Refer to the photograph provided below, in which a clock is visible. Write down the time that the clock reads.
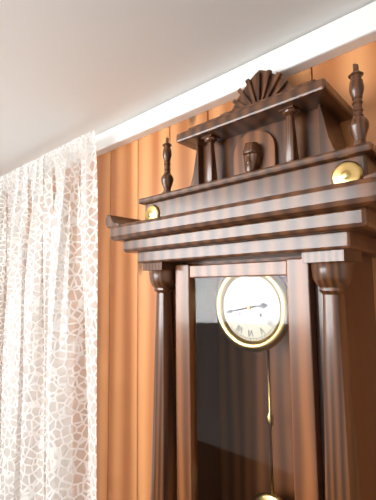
2:43
